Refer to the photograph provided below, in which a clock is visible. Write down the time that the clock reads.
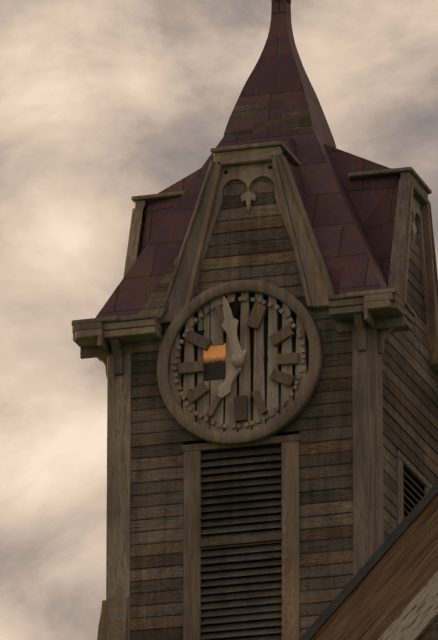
6:58
